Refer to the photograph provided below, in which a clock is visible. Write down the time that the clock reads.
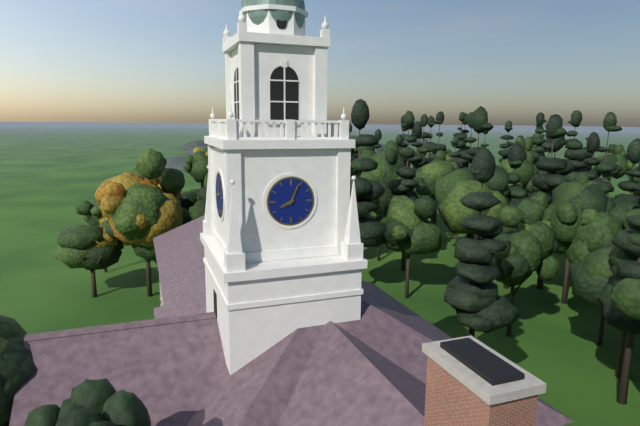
8:04
